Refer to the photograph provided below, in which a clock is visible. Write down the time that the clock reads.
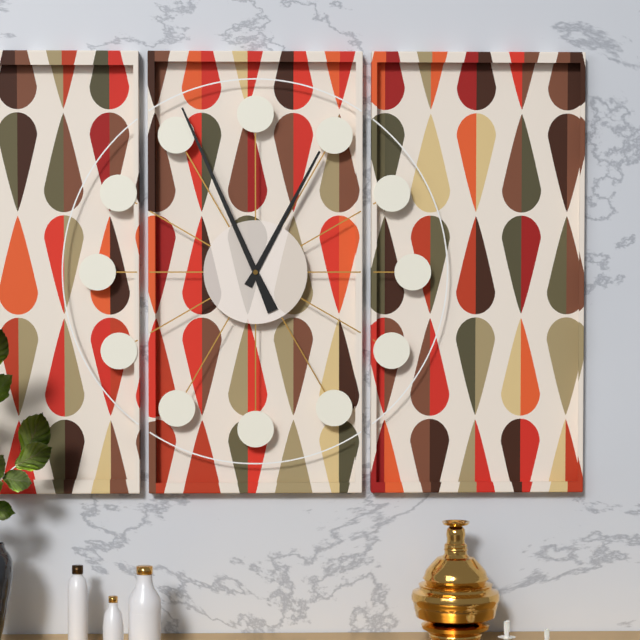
12:56
